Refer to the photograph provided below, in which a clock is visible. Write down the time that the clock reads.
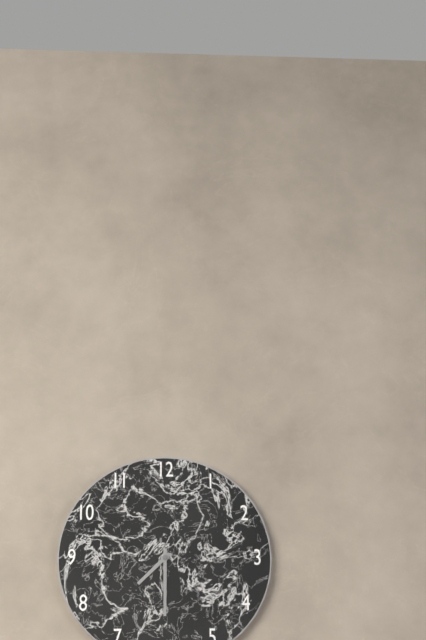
7:30
